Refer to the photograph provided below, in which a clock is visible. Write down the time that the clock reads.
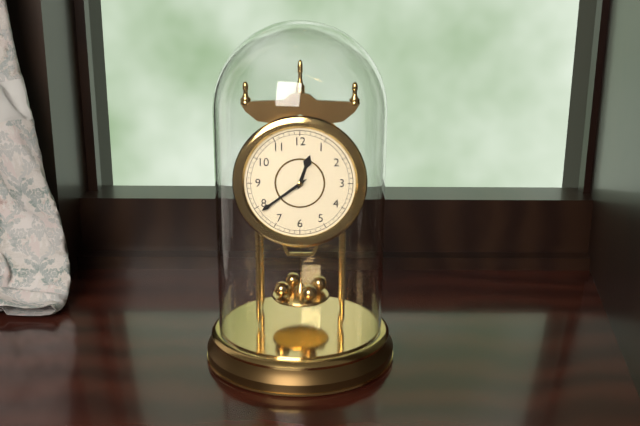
12:39
